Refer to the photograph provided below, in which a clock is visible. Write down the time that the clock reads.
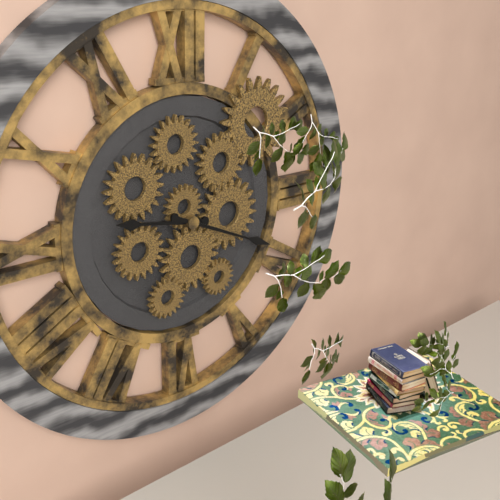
9:19
